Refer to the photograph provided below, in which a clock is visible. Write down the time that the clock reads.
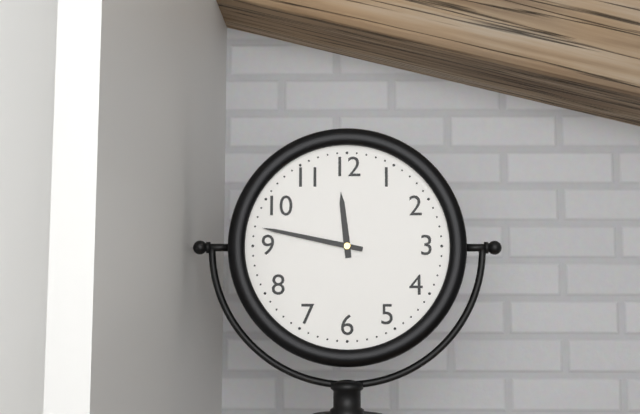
11:47
